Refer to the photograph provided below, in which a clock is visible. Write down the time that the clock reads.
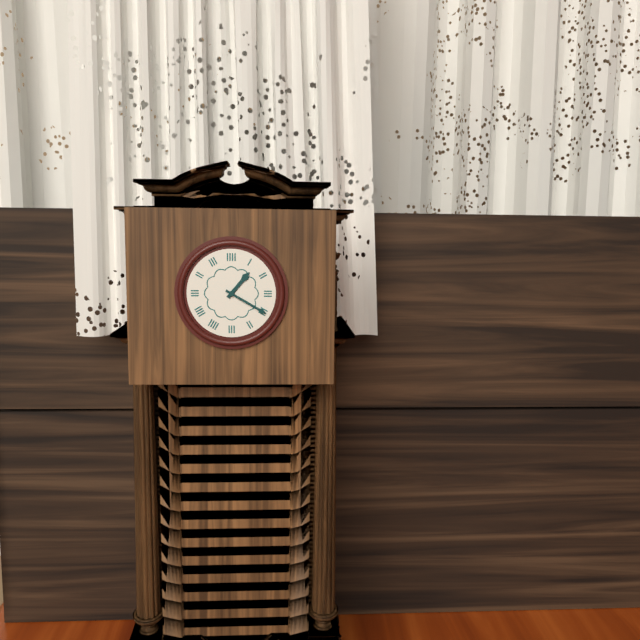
1:20
